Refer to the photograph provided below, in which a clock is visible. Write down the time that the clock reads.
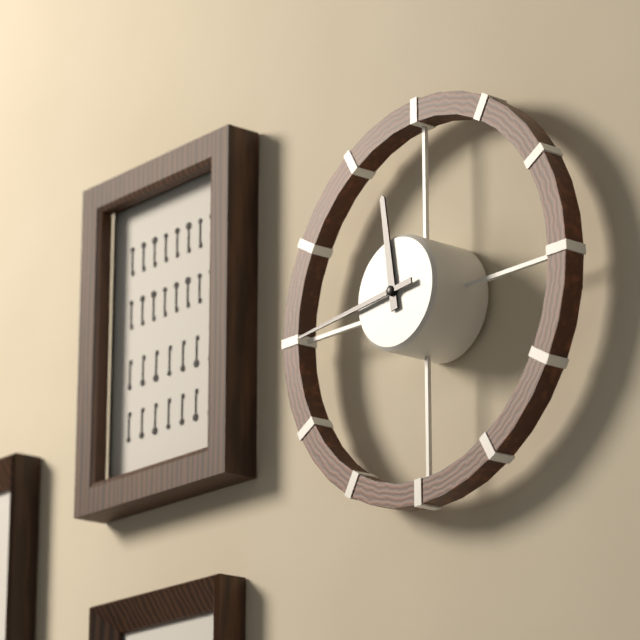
11:44
